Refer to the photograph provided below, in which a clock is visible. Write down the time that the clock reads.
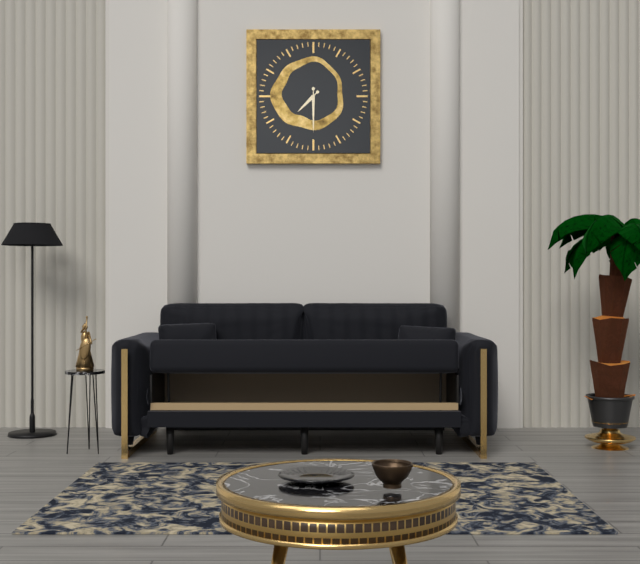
7:30
